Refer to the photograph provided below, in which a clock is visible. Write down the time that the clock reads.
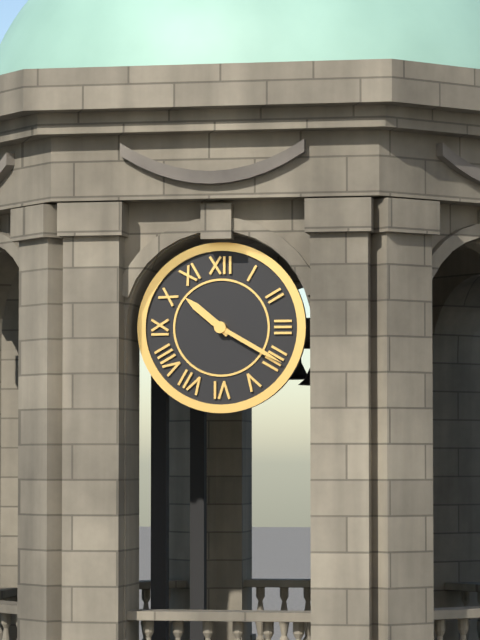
10:20
